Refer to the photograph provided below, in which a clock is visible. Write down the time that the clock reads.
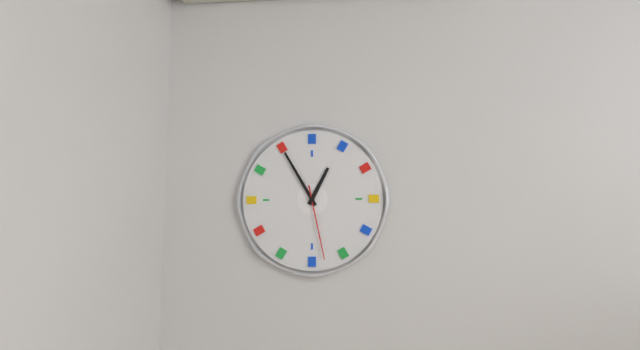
12:55:28
